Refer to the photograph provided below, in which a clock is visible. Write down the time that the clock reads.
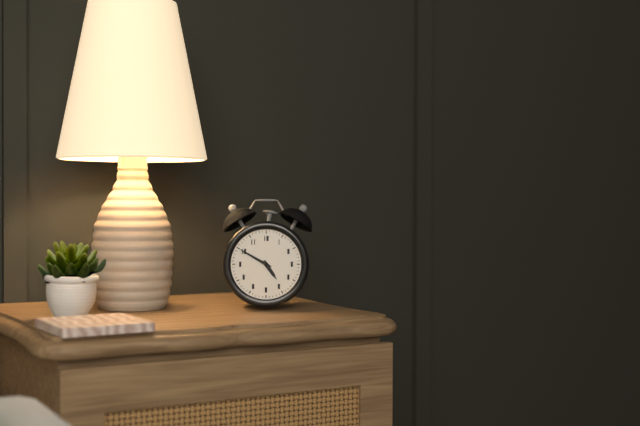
4:50
